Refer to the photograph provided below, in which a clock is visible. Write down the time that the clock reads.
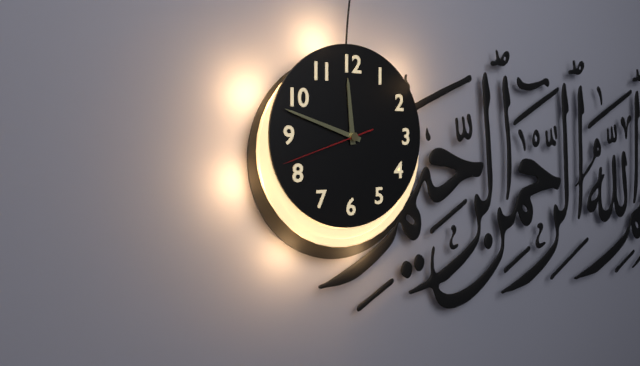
11:48:42
